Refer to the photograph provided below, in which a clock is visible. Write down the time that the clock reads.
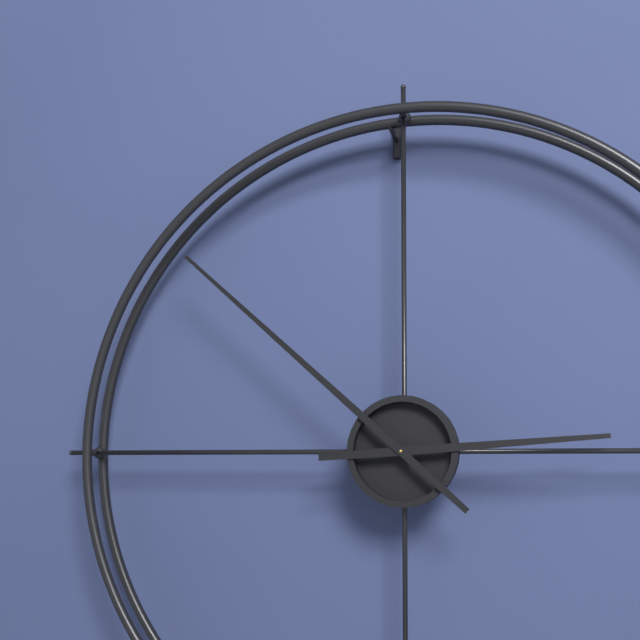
2:52
